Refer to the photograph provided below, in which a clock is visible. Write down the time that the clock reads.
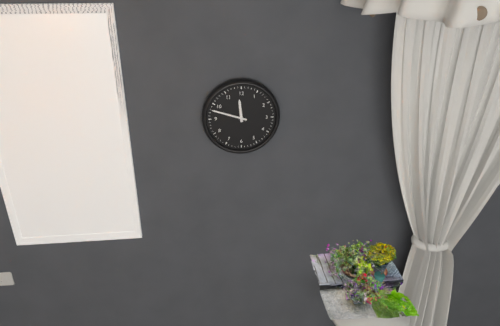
11:48
